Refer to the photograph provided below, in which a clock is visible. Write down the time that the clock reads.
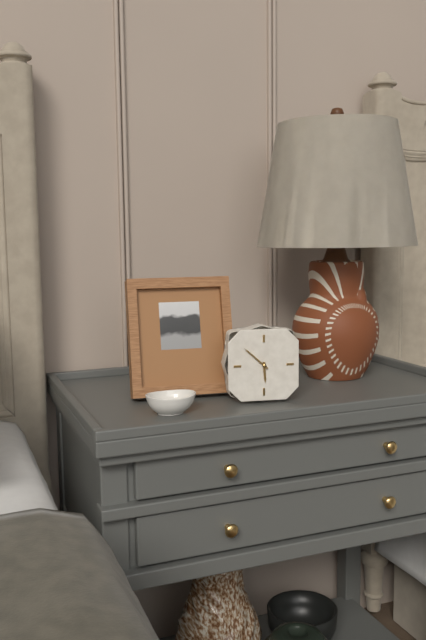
5:52
